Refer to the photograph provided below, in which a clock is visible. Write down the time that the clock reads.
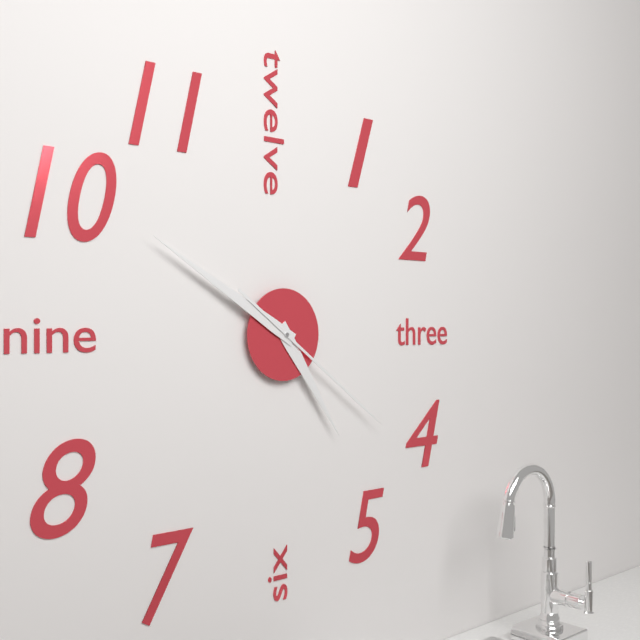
4:50:21
